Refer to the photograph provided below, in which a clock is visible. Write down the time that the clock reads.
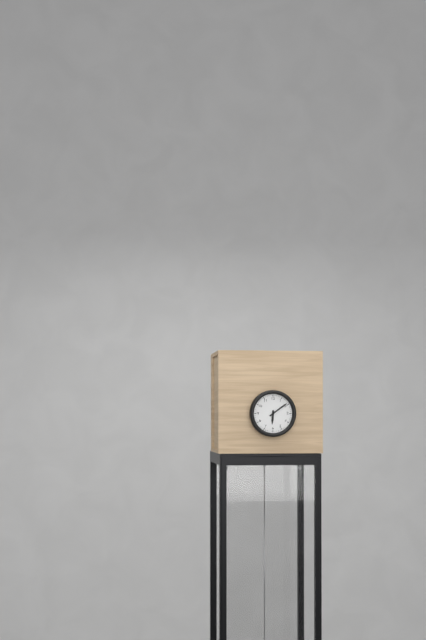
6:09
